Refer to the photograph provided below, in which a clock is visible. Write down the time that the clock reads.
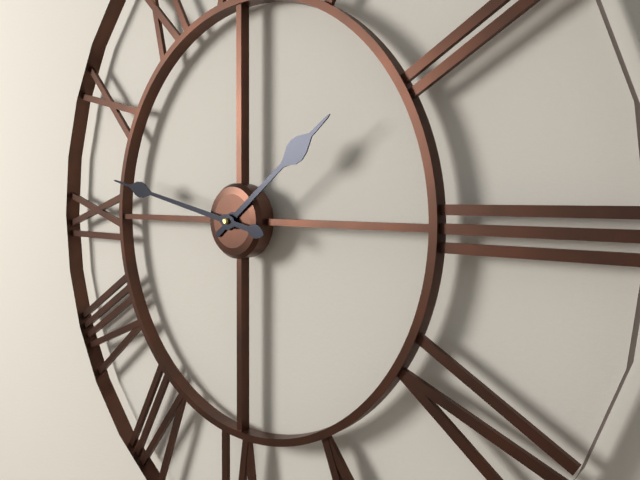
1:47
